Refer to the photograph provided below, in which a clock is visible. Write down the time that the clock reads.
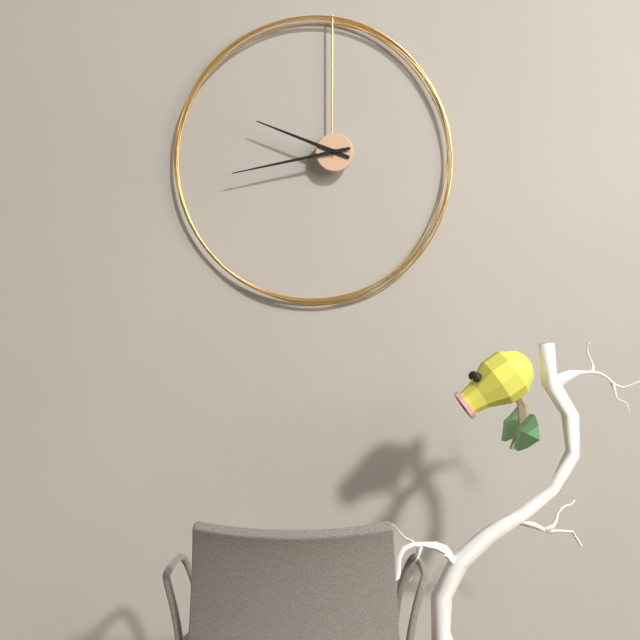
9:43
